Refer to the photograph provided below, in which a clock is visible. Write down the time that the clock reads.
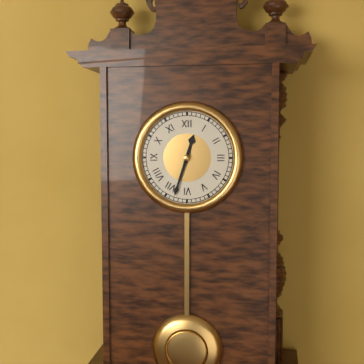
12:33
